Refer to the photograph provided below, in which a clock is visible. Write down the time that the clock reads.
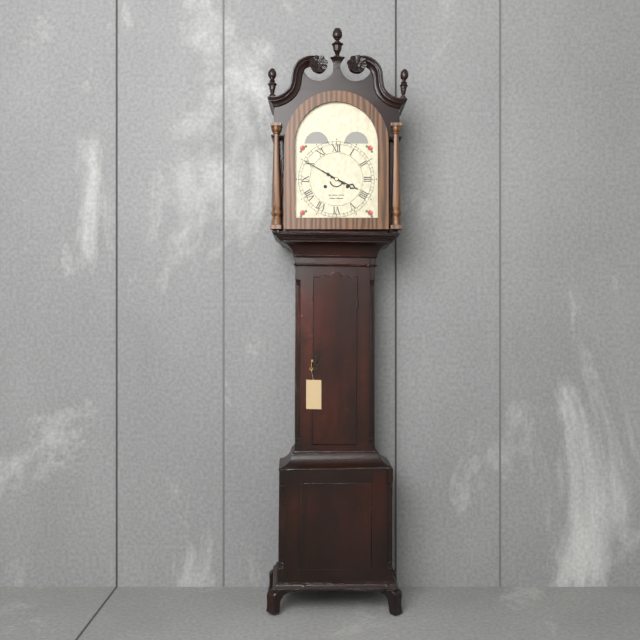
3:50
